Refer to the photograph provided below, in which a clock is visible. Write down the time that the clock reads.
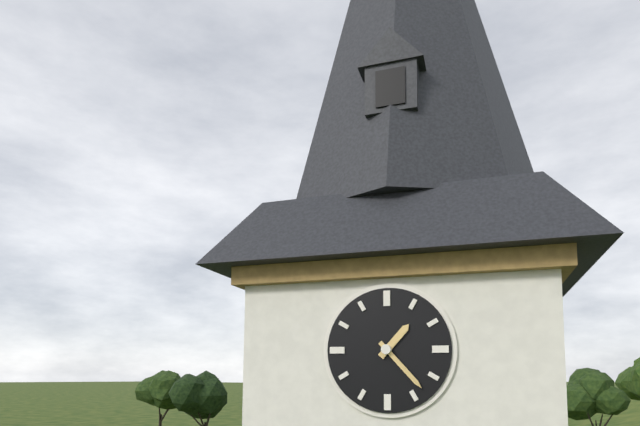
1:23
